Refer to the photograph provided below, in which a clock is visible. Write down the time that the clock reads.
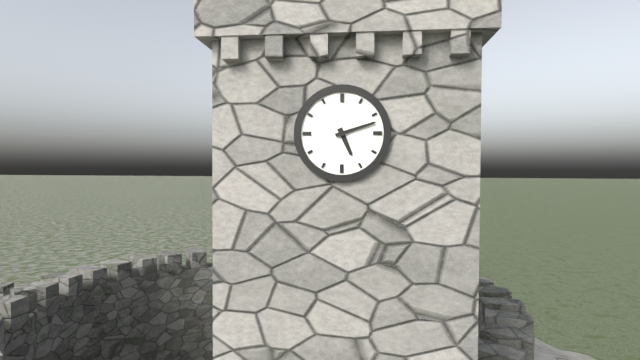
5:12
